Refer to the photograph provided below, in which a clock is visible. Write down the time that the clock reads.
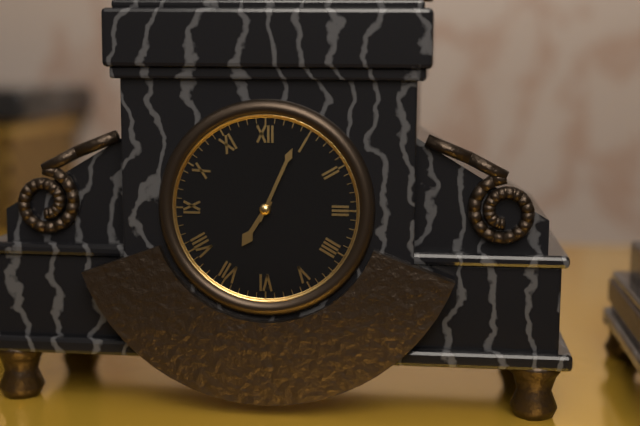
7:04
